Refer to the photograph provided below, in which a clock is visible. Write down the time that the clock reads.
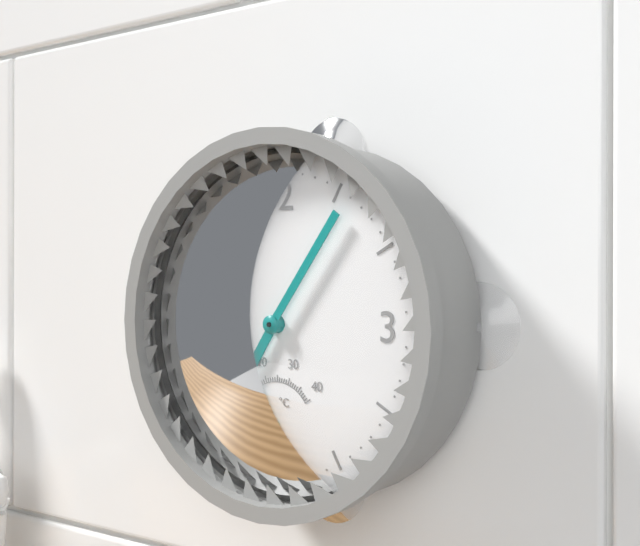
7:06
